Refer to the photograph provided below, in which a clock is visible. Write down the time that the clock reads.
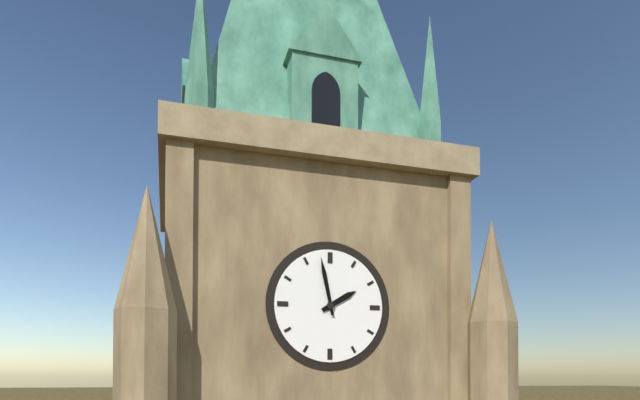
1:58
